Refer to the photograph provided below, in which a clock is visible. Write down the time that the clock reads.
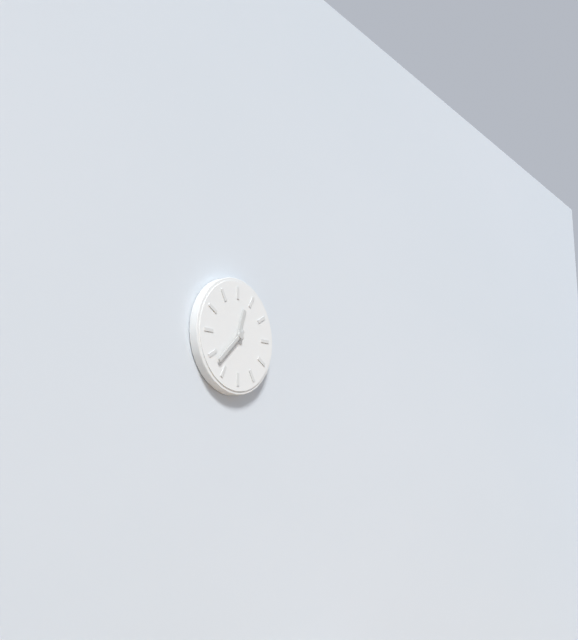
12:38
